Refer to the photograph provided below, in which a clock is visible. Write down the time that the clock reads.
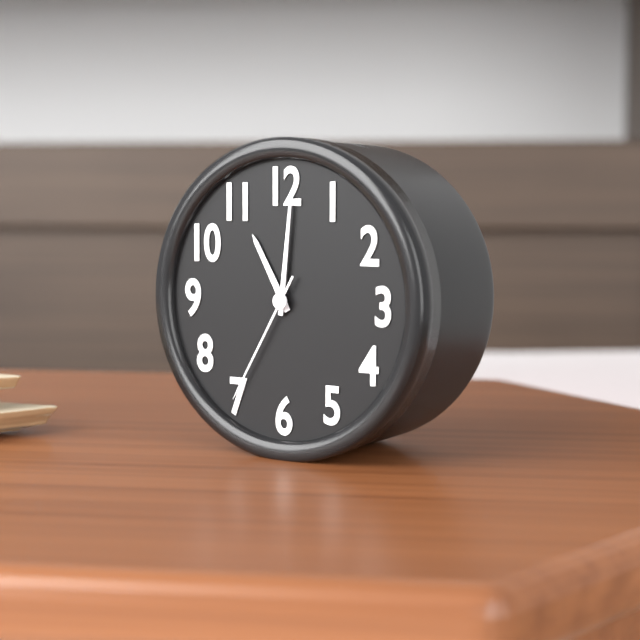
11:01:35
